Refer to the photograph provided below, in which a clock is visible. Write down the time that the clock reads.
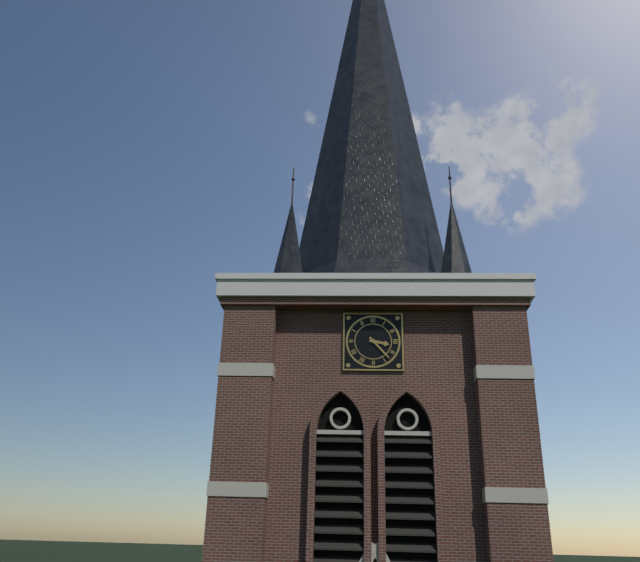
3:23
